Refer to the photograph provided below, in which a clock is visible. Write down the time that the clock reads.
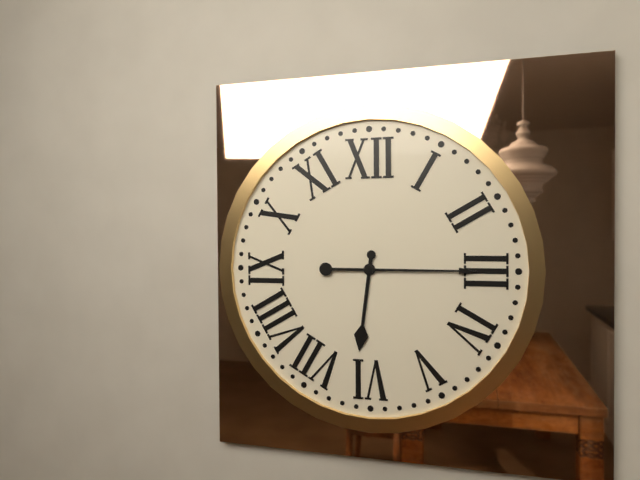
6:15
